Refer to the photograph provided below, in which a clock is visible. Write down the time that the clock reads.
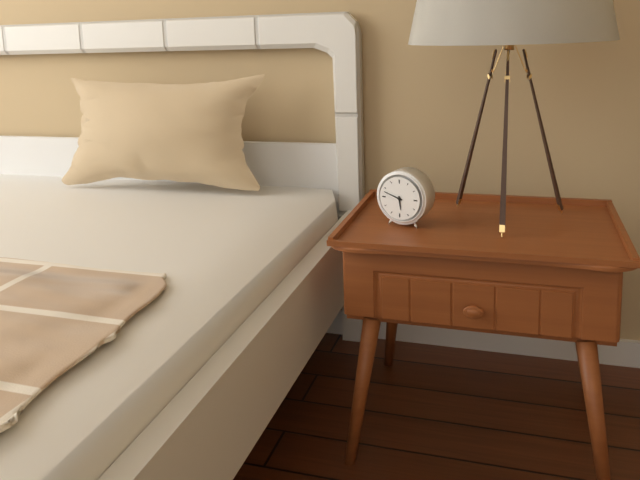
5:48
